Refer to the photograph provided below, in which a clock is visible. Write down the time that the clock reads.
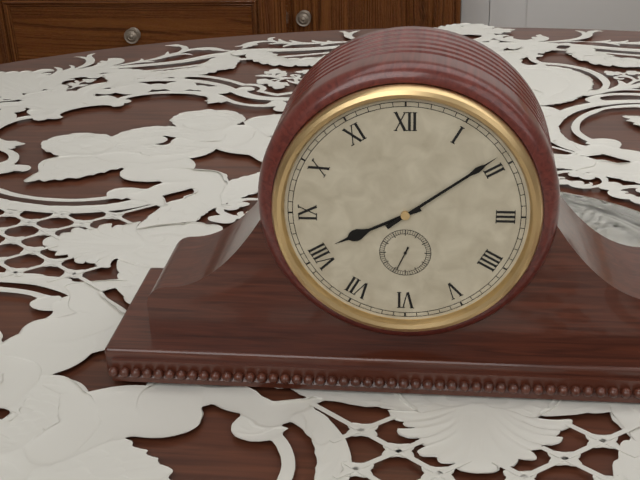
8:09:34
